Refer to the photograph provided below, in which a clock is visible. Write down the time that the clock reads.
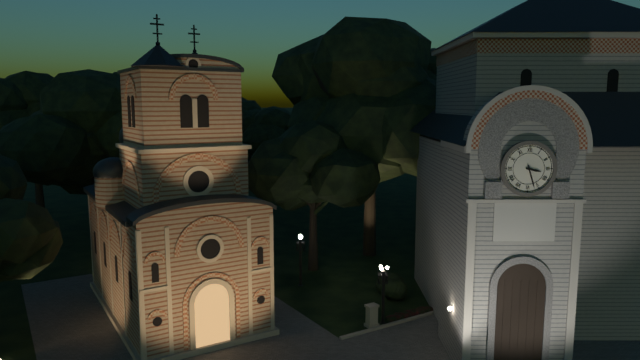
3:27
